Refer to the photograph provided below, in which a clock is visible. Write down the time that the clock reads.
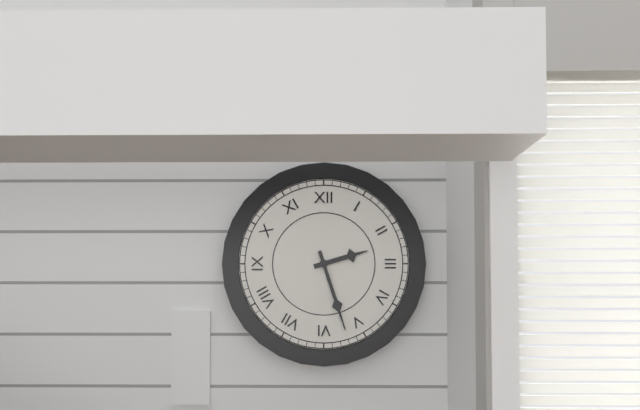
2:27
